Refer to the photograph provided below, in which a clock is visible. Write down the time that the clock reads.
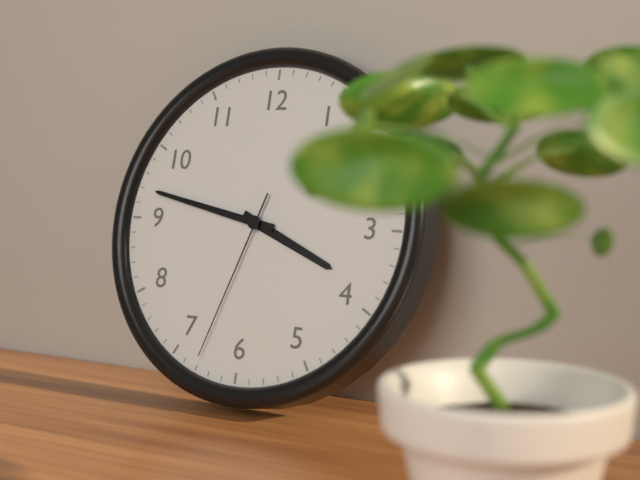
3:47:33
